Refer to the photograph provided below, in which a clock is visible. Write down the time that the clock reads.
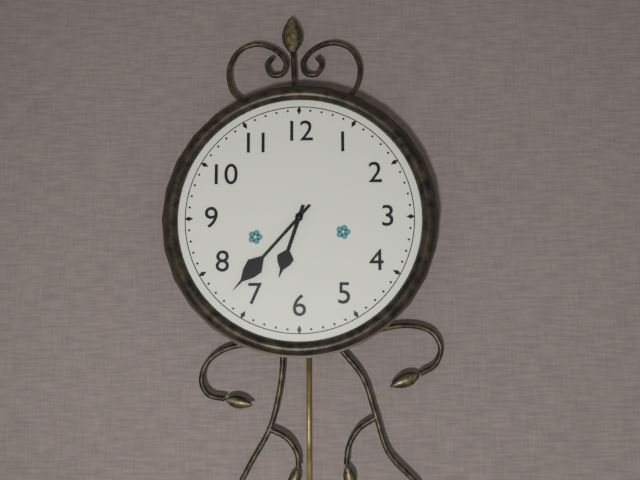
6:37
